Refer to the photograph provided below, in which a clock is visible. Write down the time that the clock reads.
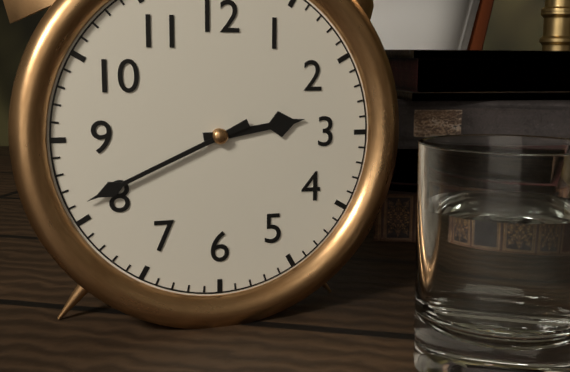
2:41
